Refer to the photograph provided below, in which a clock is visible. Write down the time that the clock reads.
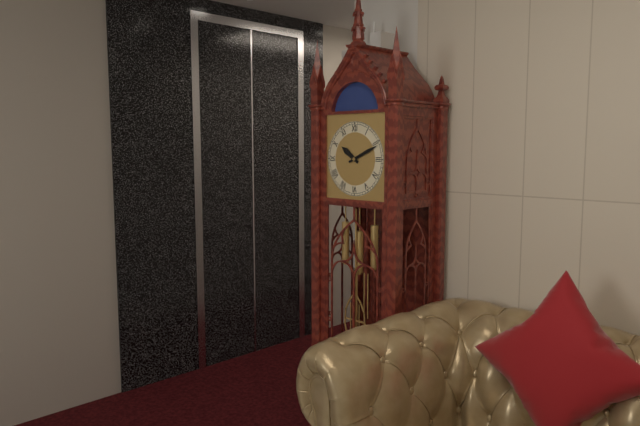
10:11
